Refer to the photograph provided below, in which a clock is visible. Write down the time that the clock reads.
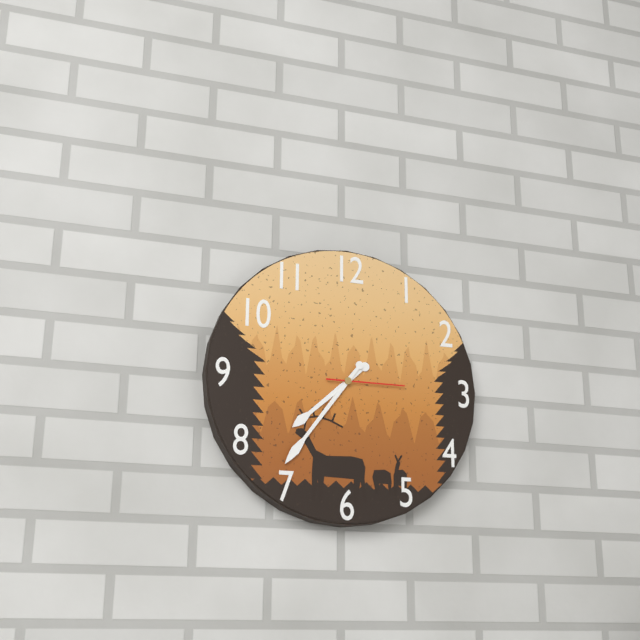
7:36:15
